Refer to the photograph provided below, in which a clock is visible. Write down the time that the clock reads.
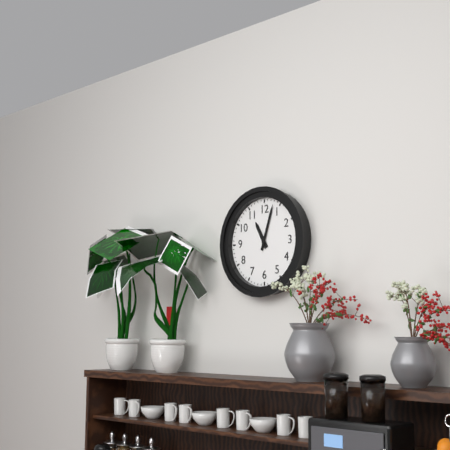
11:03
